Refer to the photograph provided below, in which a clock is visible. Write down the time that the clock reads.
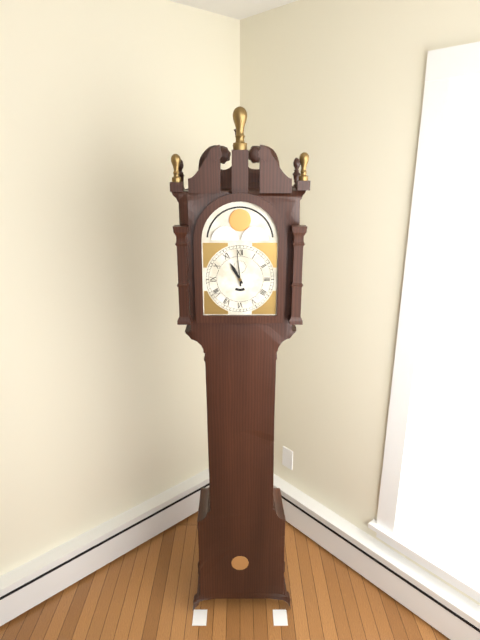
10:59
